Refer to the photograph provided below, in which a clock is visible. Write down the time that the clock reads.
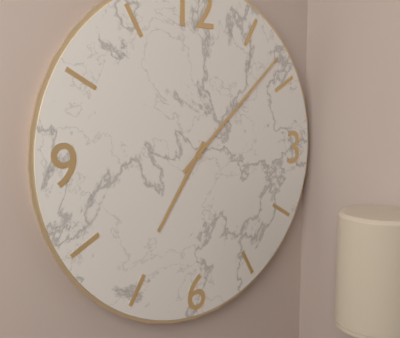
7:08
